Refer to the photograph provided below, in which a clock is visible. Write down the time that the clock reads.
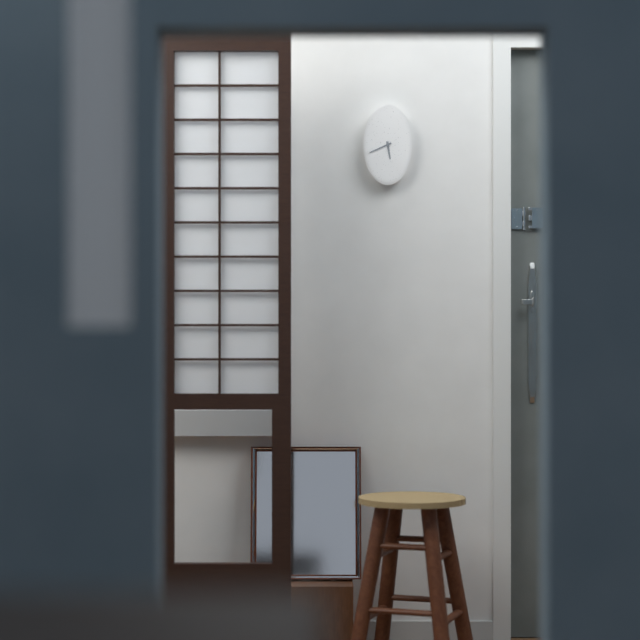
5:41
